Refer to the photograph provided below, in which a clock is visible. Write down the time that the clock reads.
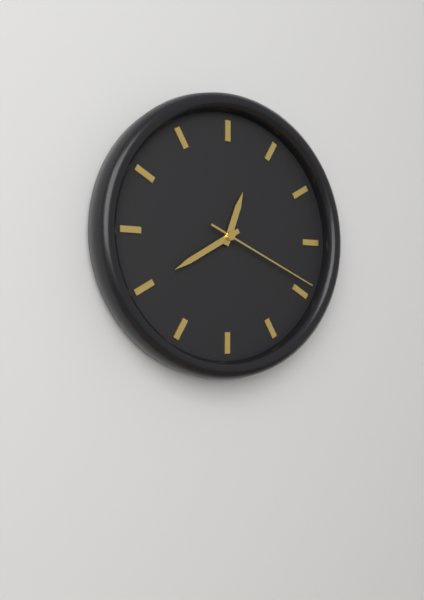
12:40:19
